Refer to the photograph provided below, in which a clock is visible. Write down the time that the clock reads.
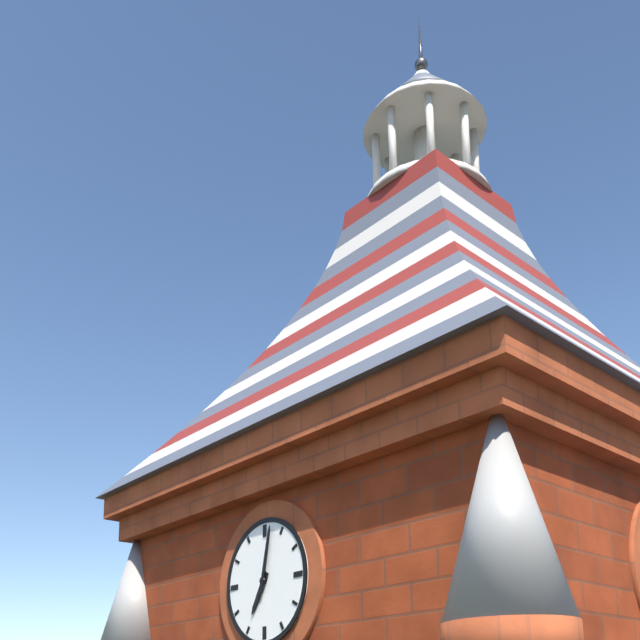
7:02
